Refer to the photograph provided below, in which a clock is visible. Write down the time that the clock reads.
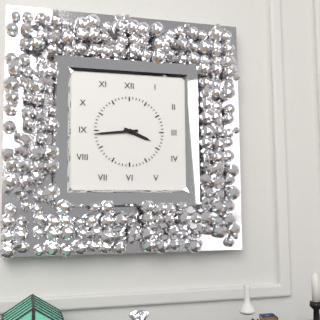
3:44
